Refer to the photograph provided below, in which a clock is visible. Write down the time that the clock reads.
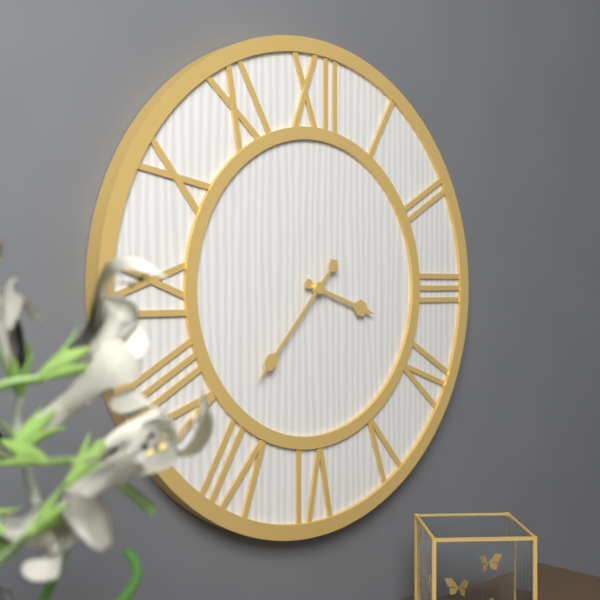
3:37
